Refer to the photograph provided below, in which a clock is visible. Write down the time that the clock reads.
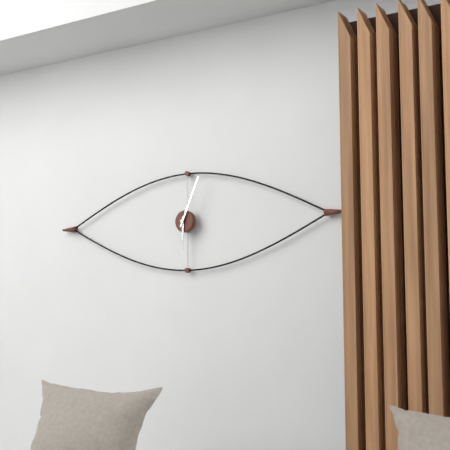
6:04
